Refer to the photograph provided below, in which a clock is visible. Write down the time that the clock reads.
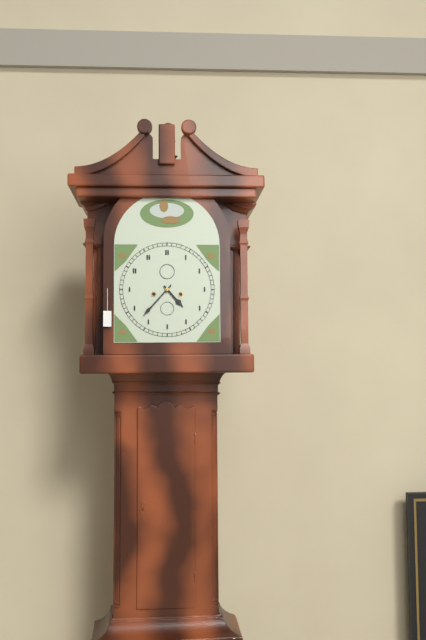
4:37
